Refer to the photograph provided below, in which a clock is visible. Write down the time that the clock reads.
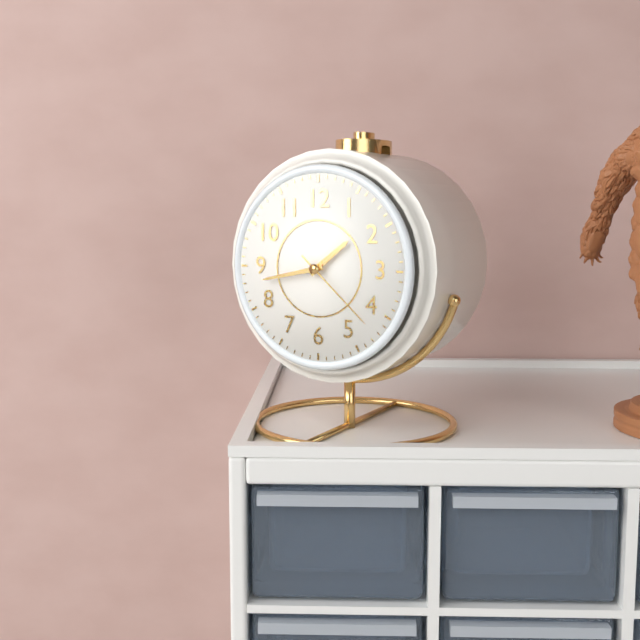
1:43:22
